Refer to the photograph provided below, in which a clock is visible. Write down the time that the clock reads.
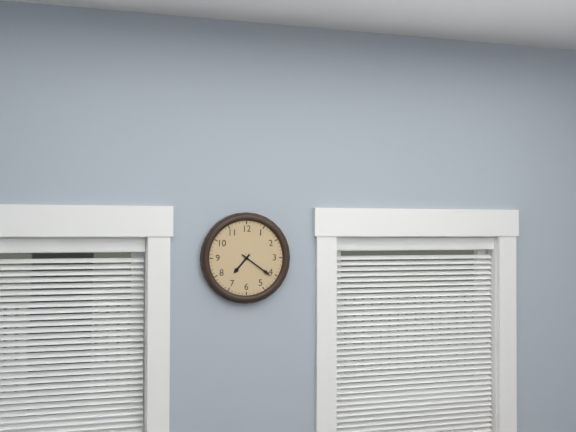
7:21
